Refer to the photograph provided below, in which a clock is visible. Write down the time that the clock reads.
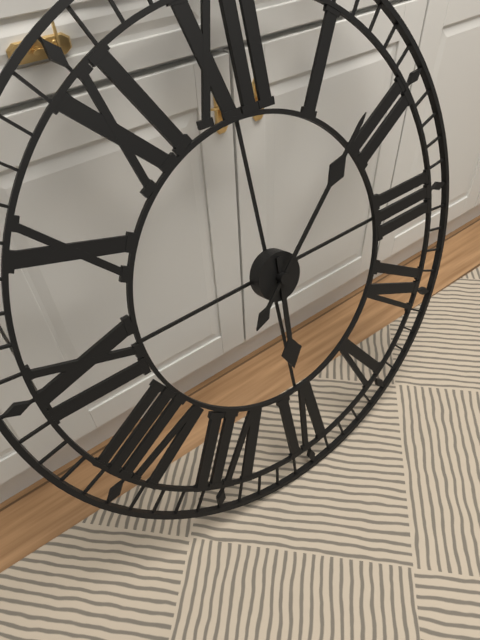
6:08
